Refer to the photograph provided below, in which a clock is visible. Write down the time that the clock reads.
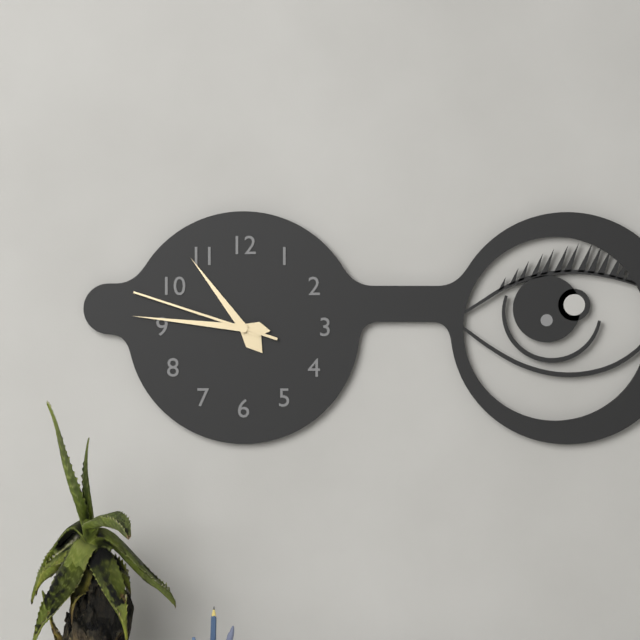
10:46:48
